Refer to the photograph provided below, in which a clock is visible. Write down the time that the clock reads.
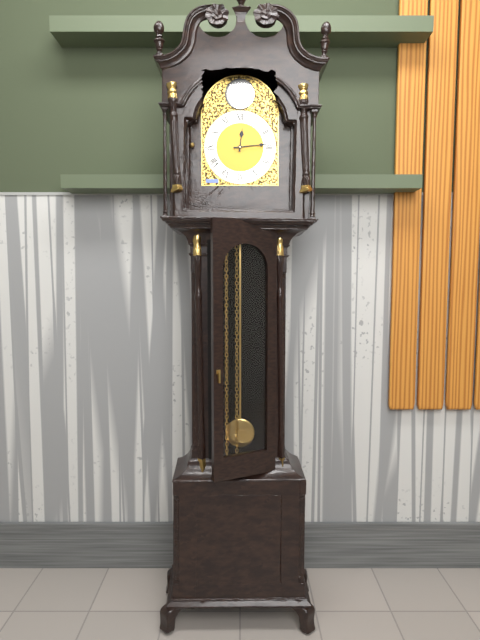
12:14
